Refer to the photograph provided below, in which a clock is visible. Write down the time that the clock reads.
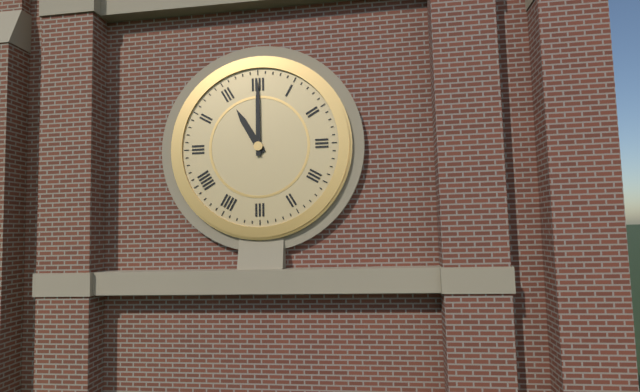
11:00
